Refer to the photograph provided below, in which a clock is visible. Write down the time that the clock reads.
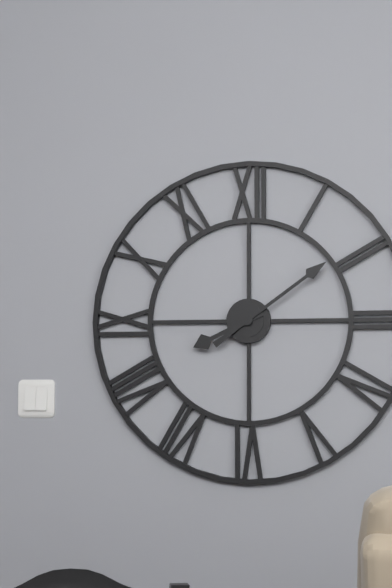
8:09
